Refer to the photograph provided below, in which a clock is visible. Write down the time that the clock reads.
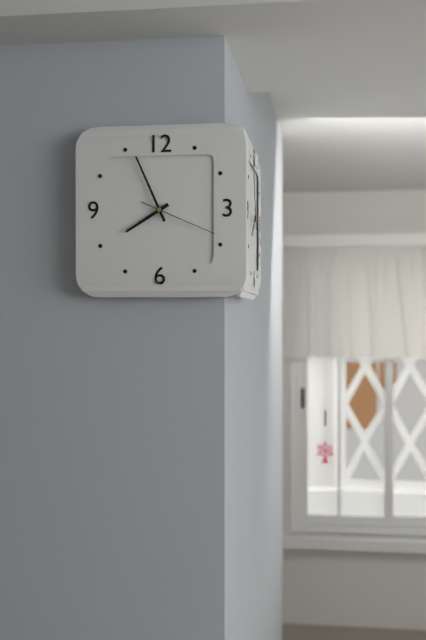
7:56:19
